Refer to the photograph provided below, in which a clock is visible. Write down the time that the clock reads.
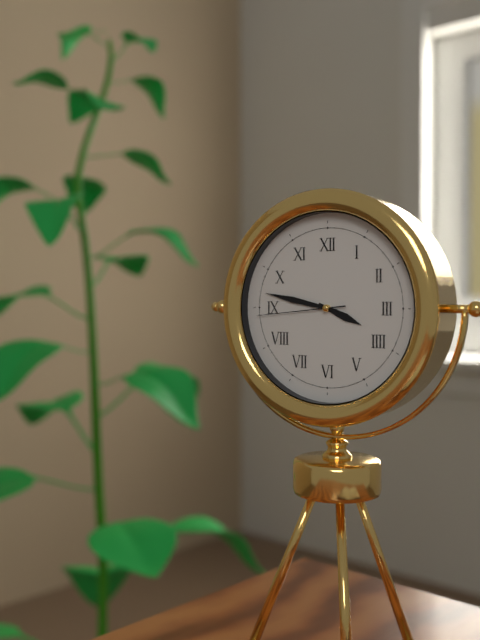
3:47:44
